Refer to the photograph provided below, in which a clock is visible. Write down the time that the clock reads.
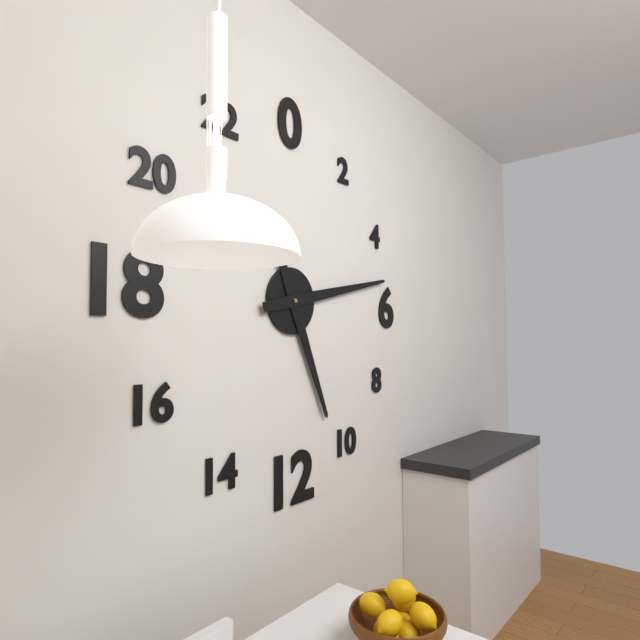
5:13
